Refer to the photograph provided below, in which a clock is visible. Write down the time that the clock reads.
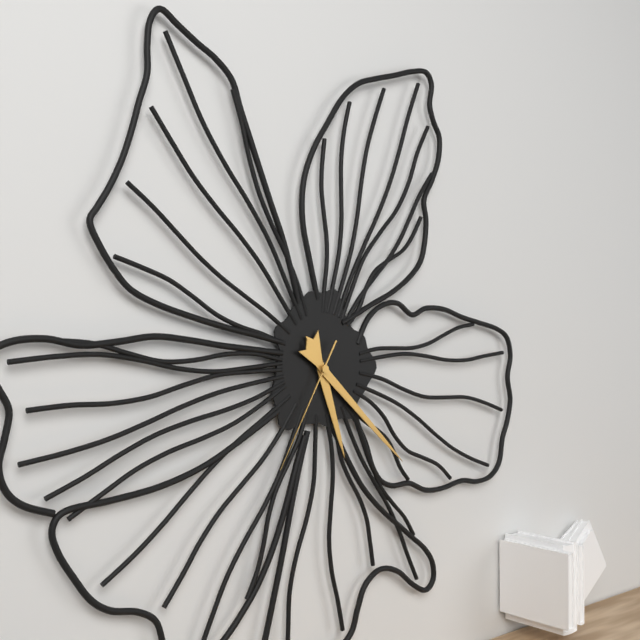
5:22:35
